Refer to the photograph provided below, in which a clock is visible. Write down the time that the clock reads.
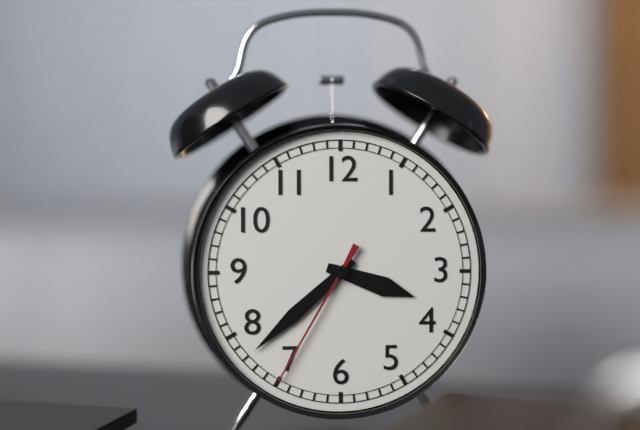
3:38:35
